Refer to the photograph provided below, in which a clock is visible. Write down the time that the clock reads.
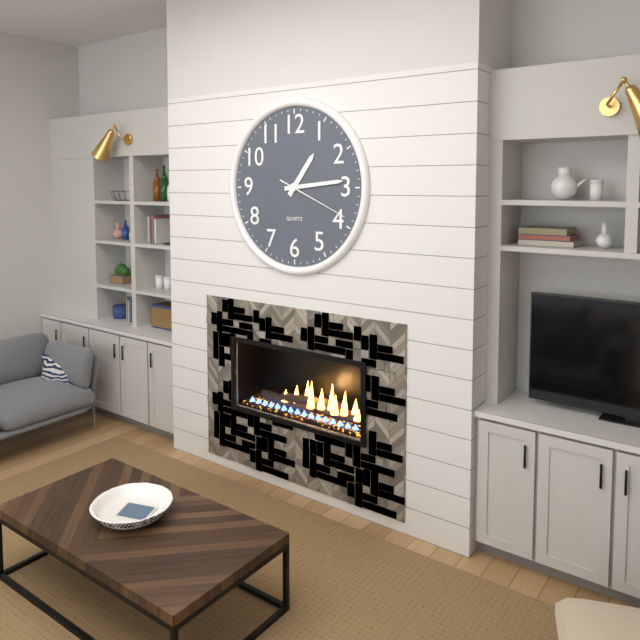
1:14:19
